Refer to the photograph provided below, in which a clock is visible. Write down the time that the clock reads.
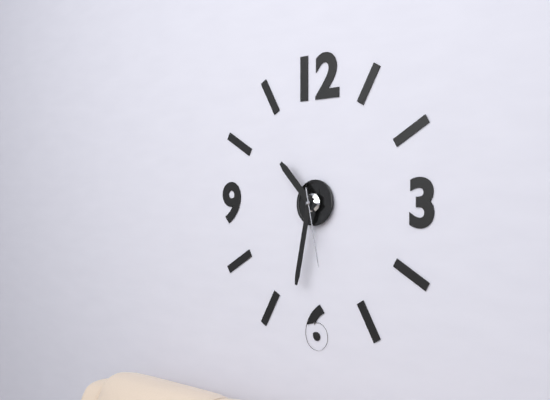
10:32:28
